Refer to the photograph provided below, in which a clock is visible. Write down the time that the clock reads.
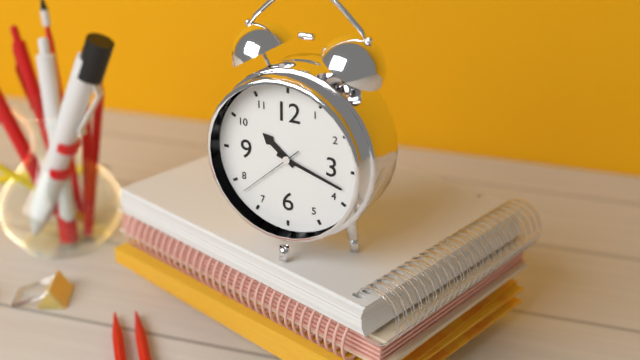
10:18:38
